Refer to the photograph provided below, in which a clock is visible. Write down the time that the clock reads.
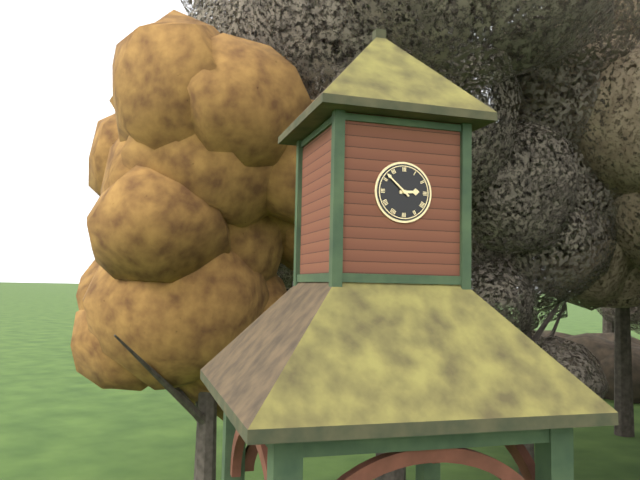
2:52
